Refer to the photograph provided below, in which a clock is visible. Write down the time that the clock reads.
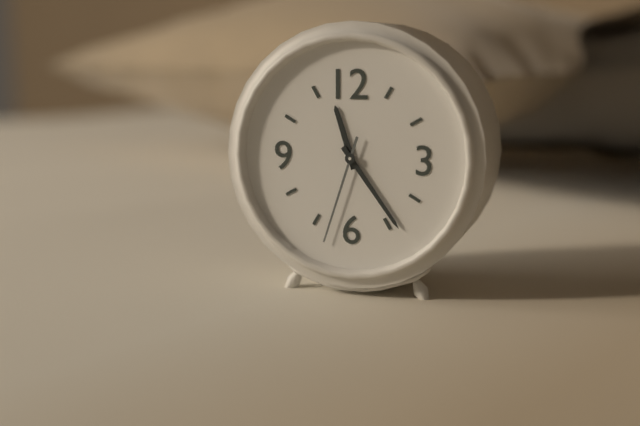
11:24:33
